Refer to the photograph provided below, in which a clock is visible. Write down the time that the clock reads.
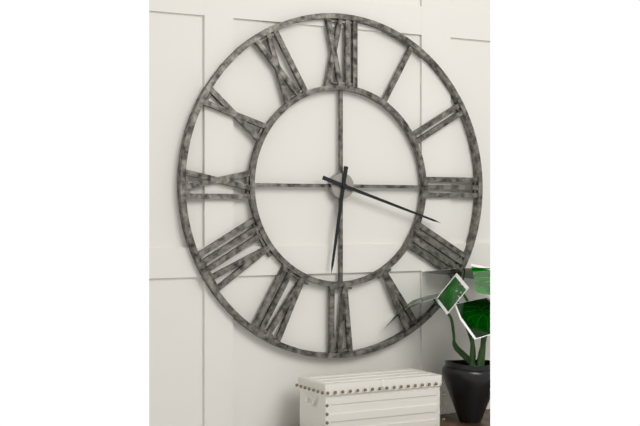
6:18
